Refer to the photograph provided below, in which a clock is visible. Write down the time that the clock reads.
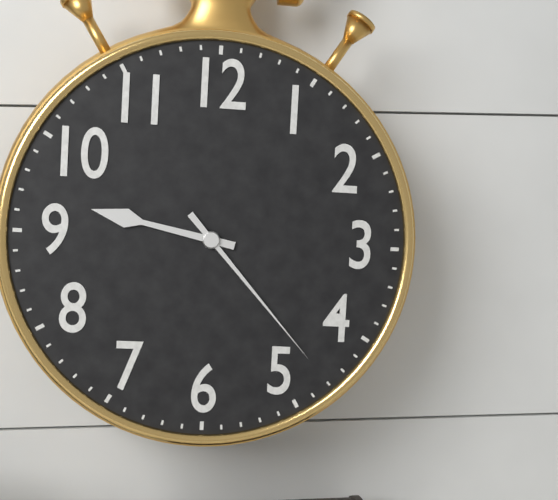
9:23
